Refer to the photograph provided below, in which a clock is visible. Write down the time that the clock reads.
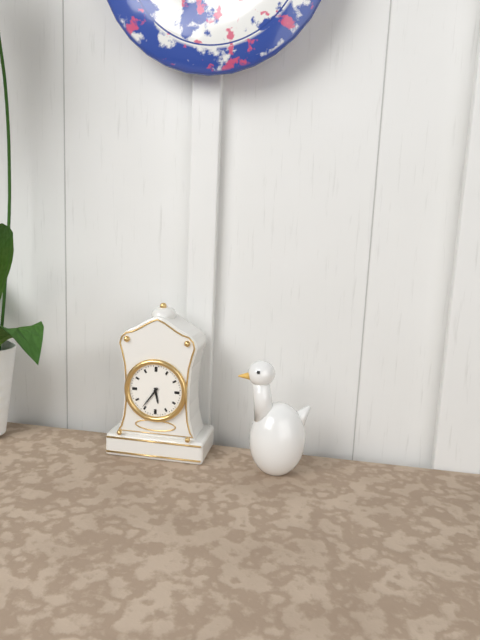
5:36
